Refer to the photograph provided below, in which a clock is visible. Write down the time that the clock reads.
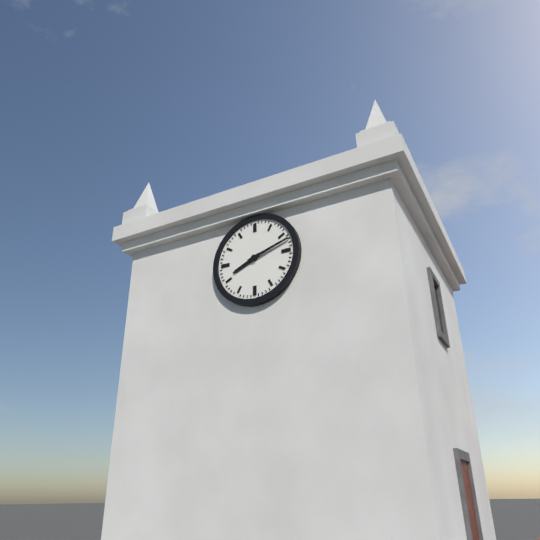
8:12
